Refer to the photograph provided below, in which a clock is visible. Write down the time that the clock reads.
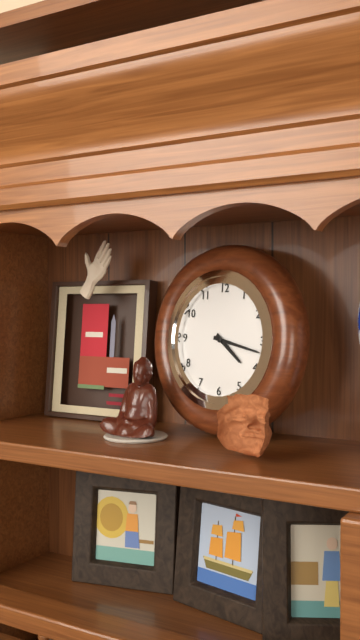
4:17
